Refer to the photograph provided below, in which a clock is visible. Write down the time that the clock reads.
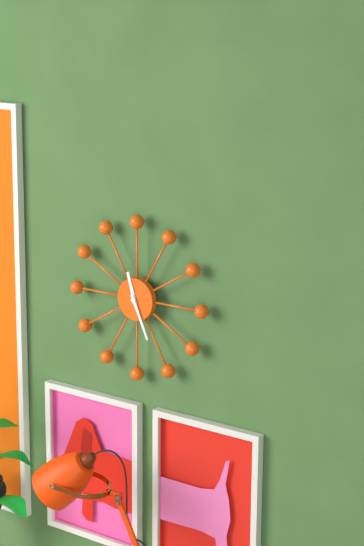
11:26
